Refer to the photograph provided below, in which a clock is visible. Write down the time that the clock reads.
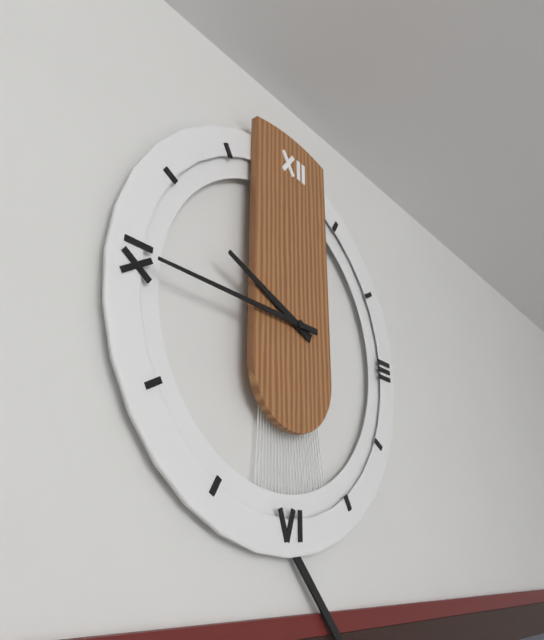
9:45
